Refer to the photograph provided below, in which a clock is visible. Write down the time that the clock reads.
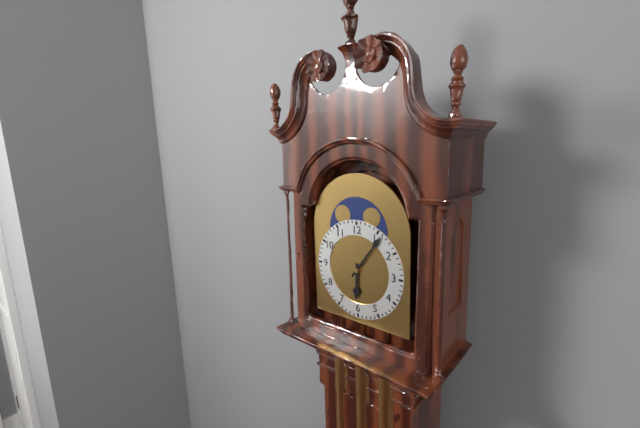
6:06
